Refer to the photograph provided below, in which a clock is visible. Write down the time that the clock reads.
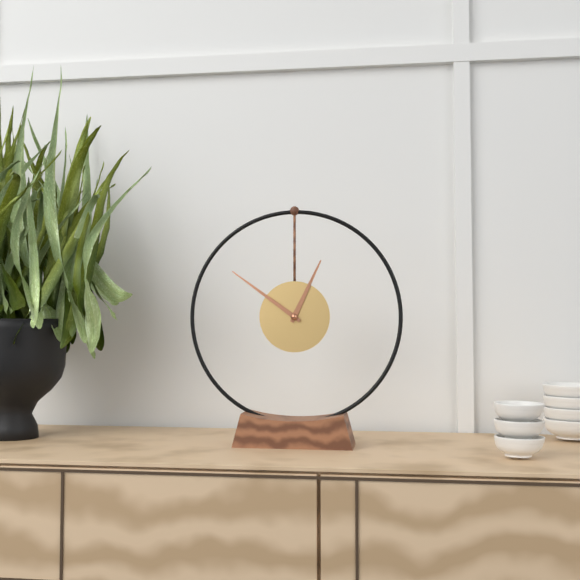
12:51
